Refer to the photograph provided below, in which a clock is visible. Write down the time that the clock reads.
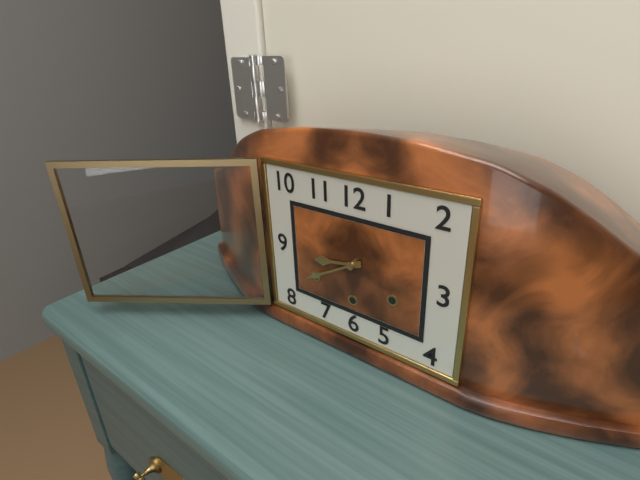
8:40
